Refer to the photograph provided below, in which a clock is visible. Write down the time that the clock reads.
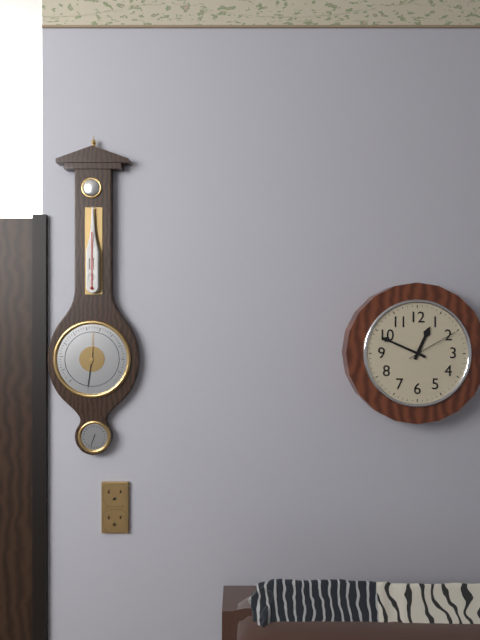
12:49:10
